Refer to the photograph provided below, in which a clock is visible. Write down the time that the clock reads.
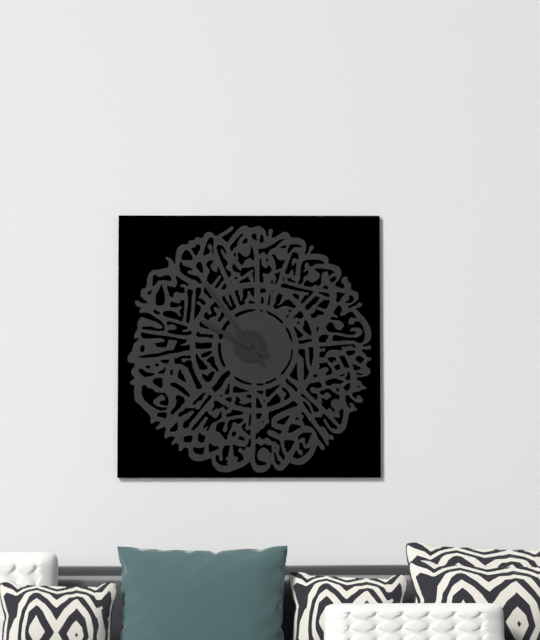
9:54
